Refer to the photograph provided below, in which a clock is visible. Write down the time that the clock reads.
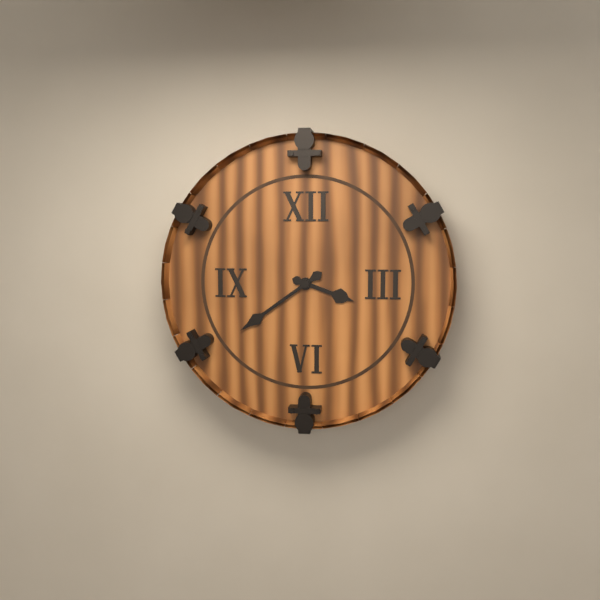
3:39
